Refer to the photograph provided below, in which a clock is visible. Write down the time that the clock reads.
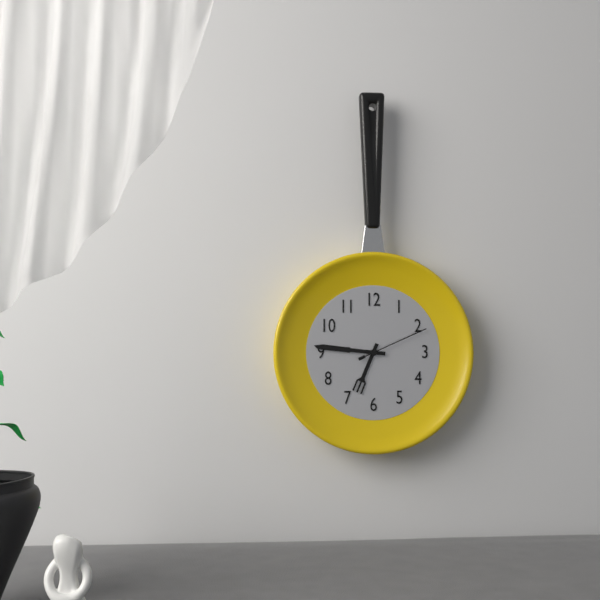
6:46:11
